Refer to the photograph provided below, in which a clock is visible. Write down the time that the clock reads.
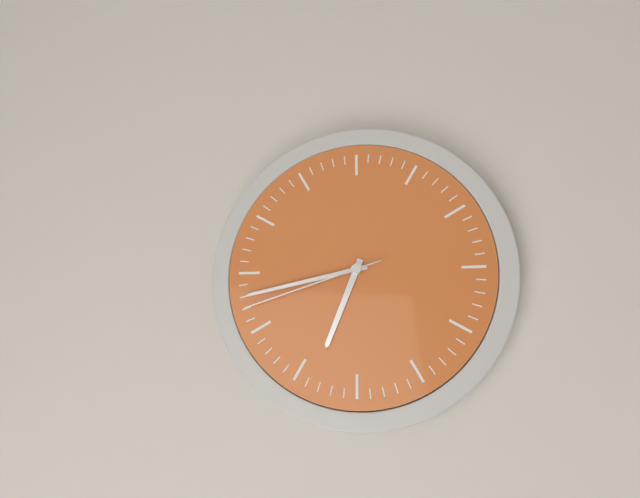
6:43:42
